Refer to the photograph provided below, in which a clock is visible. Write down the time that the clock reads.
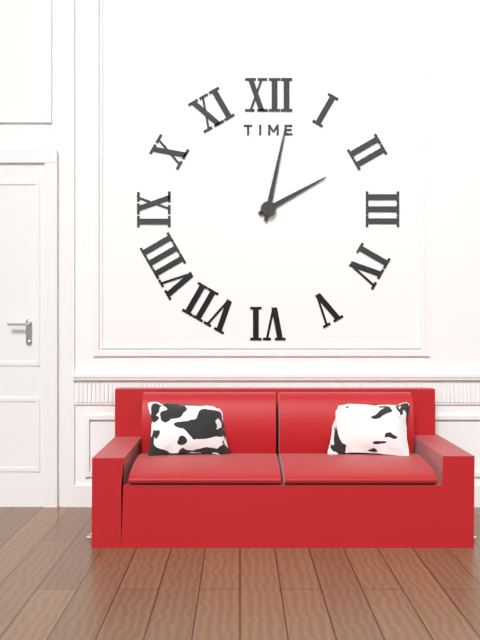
2:02
